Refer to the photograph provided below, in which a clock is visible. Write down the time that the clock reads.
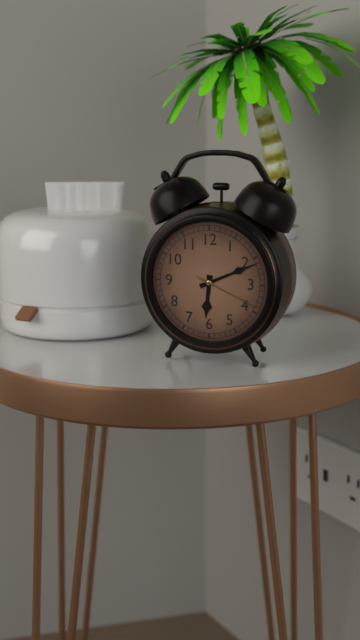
6:11:19
